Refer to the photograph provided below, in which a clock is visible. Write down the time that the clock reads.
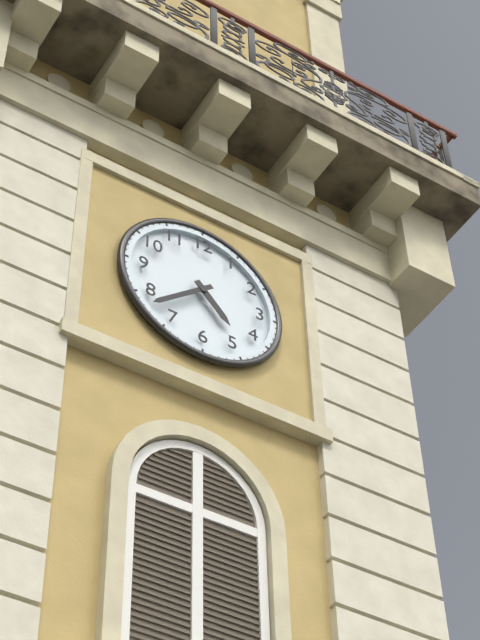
4:38
